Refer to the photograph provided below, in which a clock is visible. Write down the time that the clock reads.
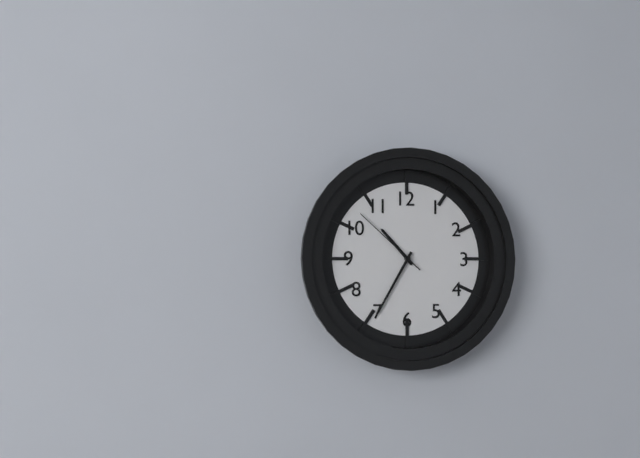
10:35:52
